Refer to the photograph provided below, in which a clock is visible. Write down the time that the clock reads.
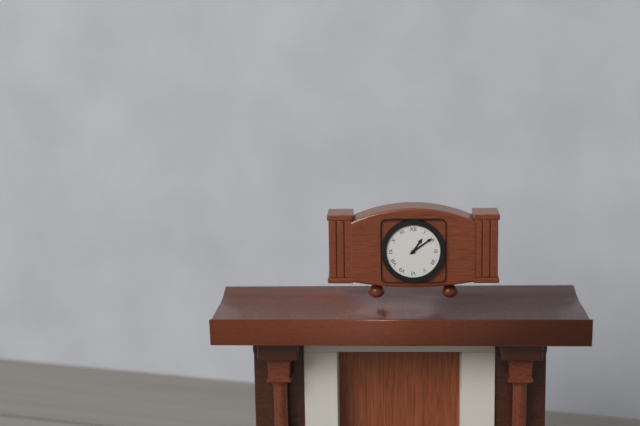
1:09
